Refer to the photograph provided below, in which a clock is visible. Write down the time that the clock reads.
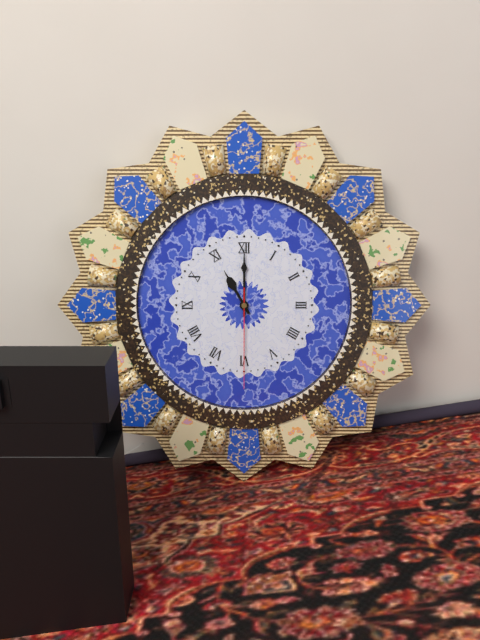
11:00:30
